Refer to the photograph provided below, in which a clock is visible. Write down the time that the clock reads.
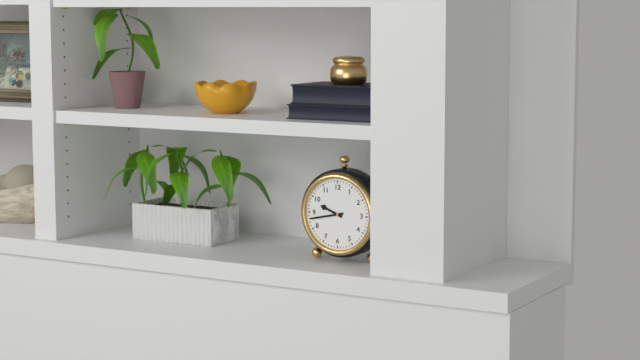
9:43
